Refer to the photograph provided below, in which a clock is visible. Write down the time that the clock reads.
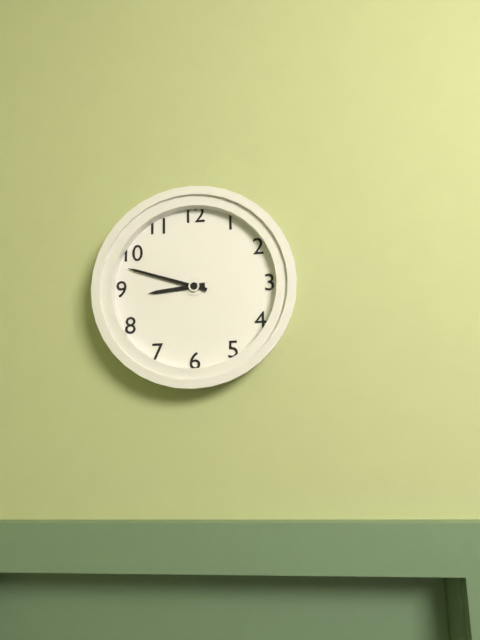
8:48
